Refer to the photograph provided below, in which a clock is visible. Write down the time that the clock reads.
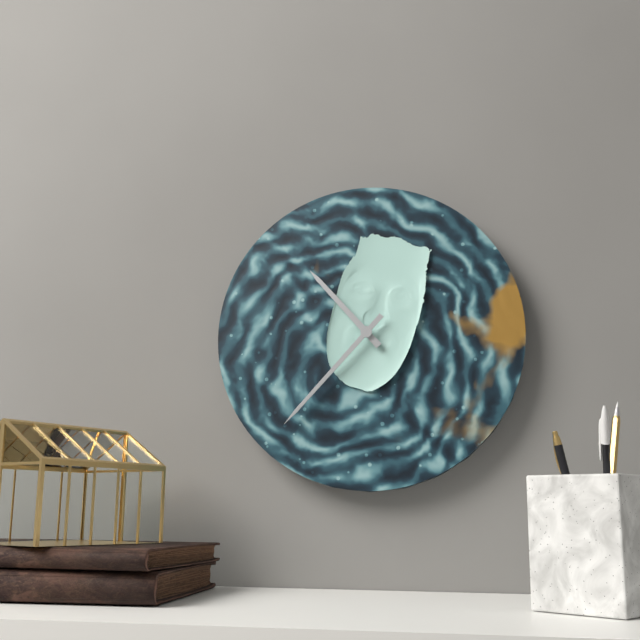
10:37
